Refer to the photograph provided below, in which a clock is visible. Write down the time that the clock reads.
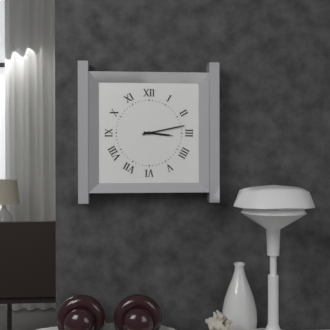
3:13
